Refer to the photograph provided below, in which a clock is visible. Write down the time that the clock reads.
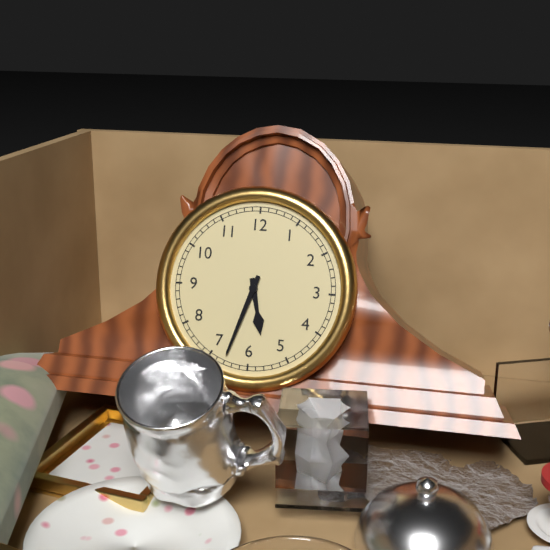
5:33
